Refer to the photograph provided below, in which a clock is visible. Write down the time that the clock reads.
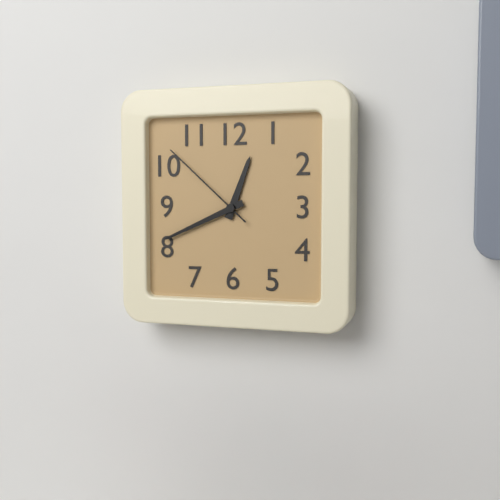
12:41:52
